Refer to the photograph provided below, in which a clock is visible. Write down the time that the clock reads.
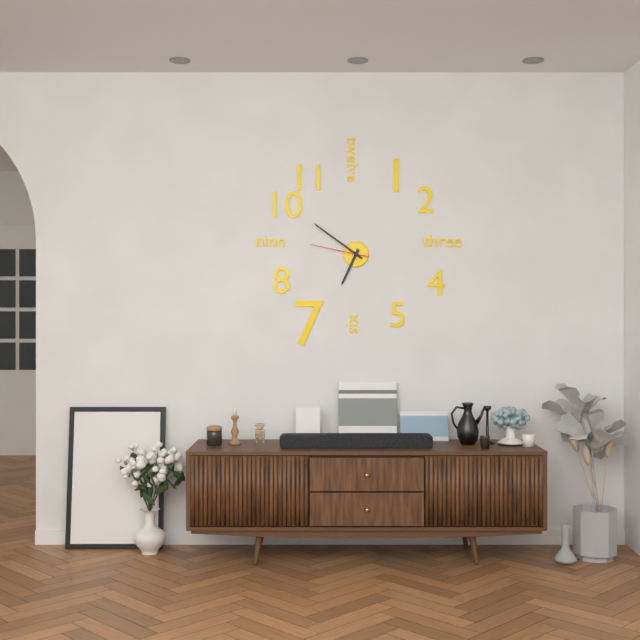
6:51:47
